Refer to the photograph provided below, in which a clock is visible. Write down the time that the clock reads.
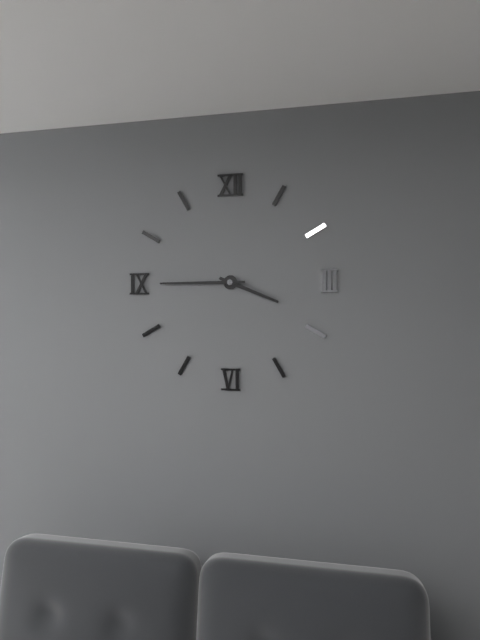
3:45
